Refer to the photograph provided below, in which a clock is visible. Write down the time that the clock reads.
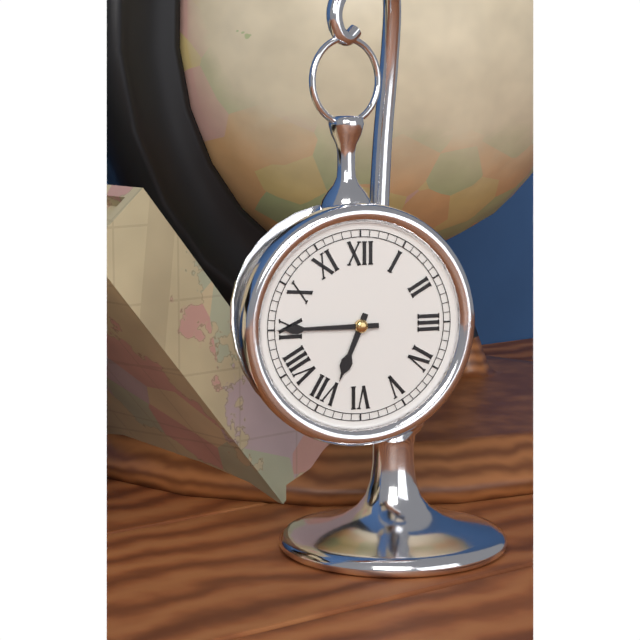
6:45
